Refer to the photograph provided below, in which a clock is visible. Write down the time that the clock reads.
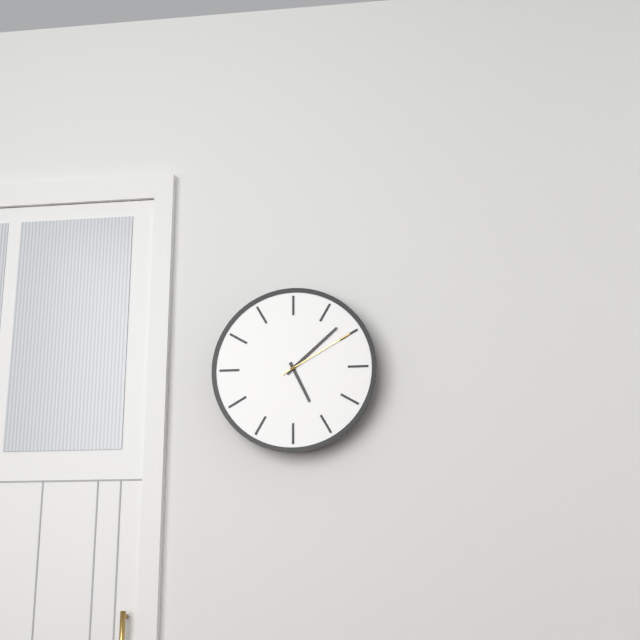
5:08:10
